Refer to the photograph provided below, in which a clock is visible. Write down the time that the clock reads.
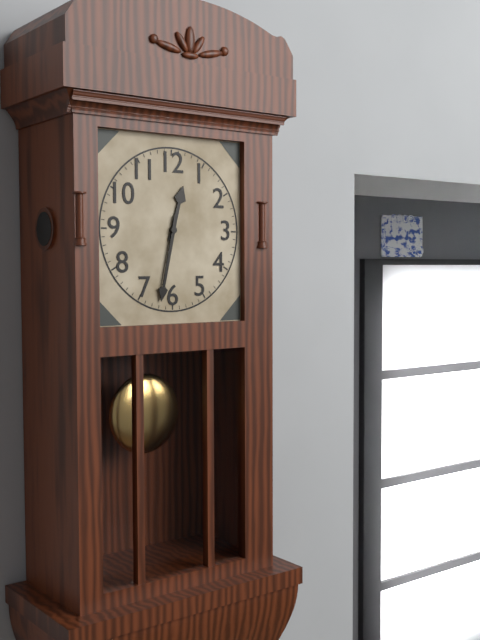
12:32
